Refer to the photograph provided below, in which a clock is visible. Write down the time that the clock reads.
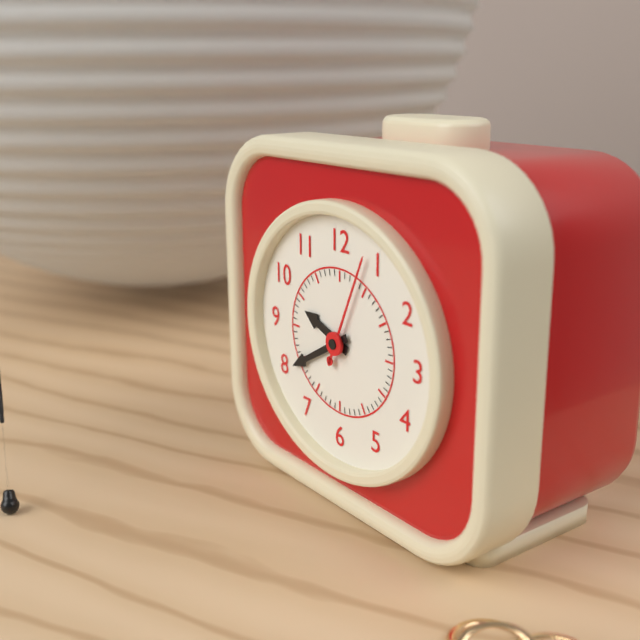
9:40:04
